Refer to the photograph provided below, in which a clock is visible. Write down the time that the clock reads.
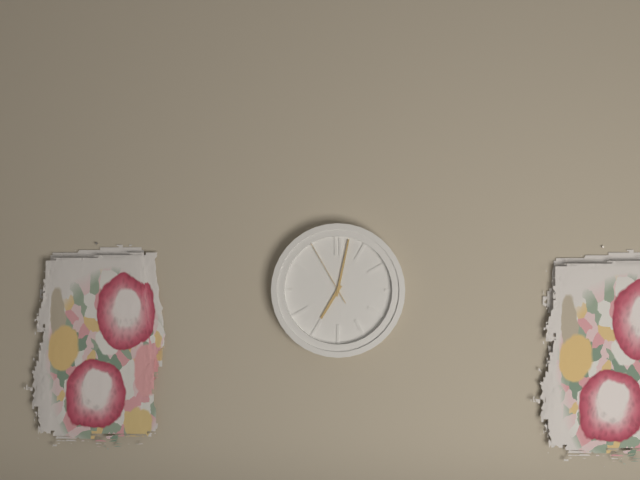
7:02:55
